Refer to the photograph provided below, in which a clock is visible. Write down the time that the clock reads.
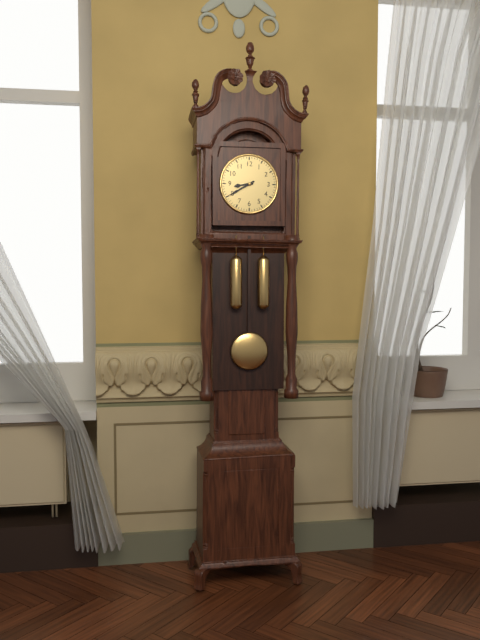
8:40
